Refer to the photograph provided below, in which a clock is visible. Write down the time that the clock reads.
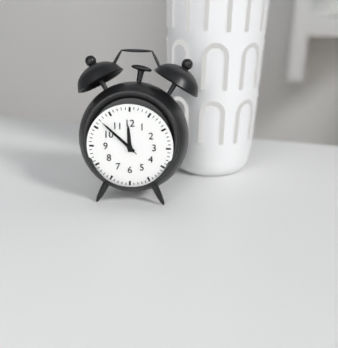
11:52
